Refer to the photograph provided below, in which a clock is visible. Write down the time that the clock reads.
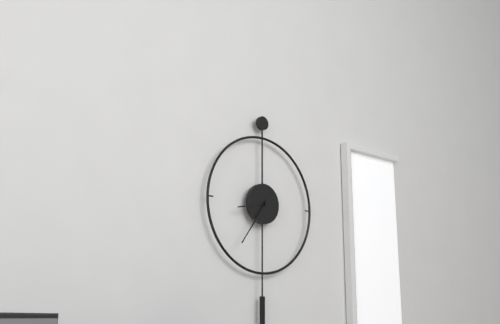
8:36
